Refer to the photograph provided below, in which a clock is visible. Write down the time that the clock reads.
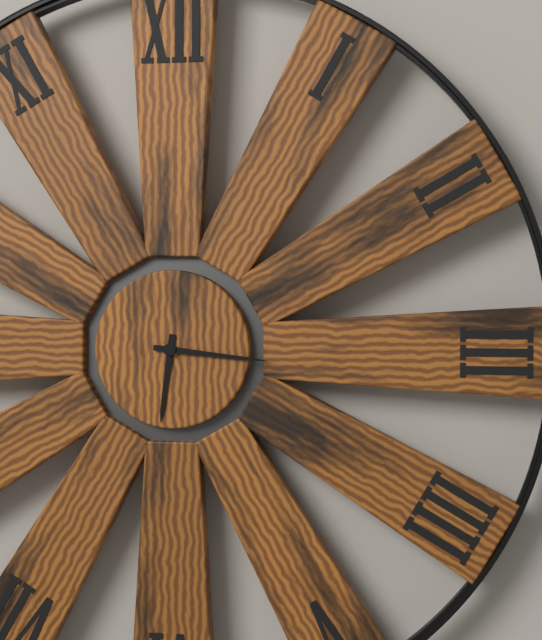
6:16
